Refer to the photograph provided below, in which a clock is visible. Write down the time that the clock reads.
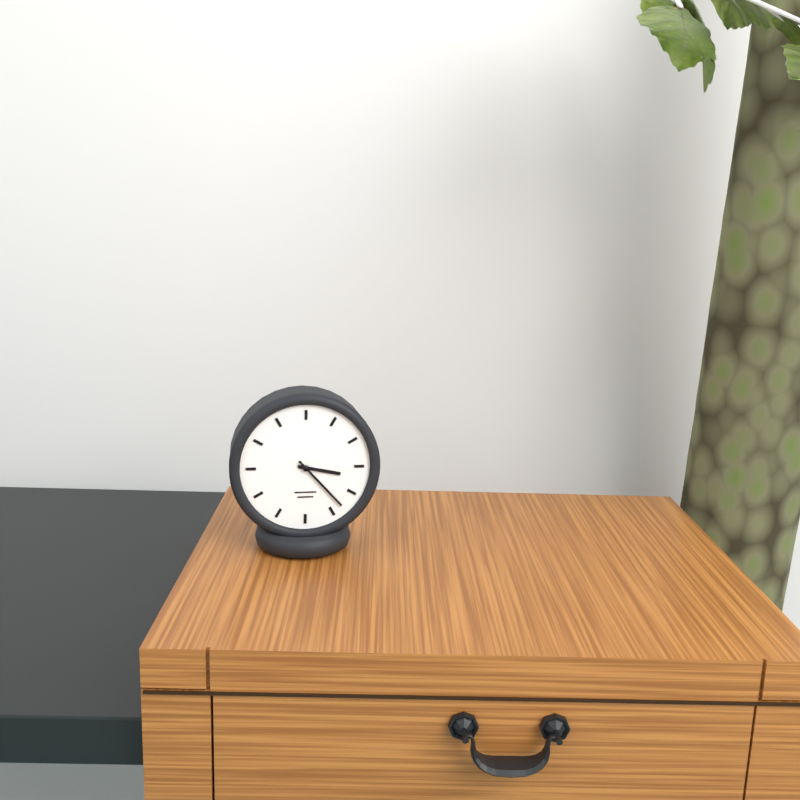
3:23
